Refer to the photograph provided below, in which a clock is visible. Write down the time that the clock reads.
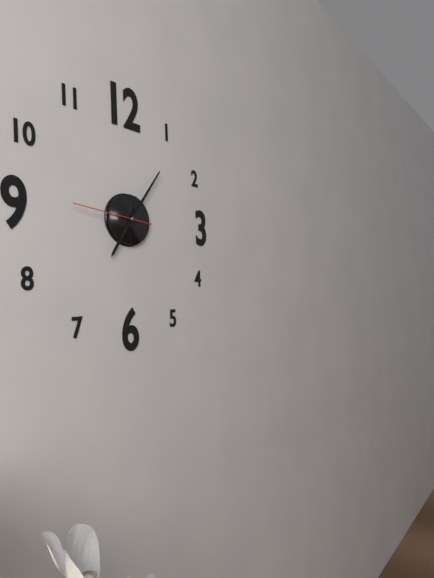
7:06:46
